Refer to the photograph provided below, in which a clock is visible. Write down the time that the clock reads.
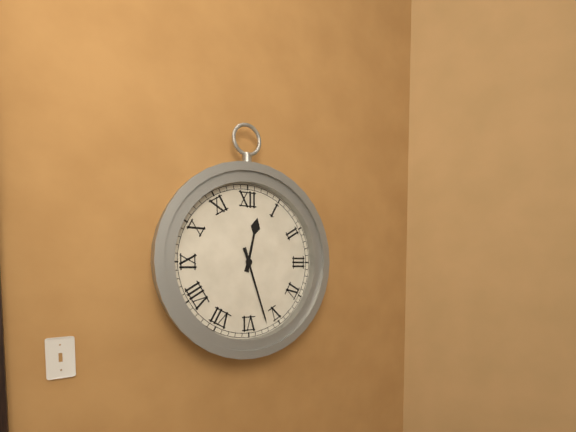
12:27
